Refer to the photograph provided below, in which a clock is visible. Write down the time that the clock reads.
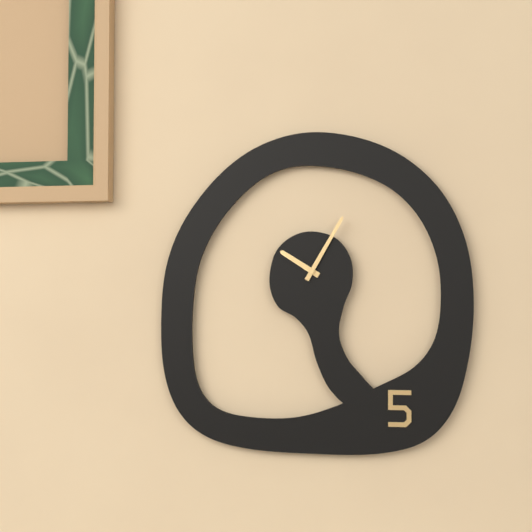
10:05
